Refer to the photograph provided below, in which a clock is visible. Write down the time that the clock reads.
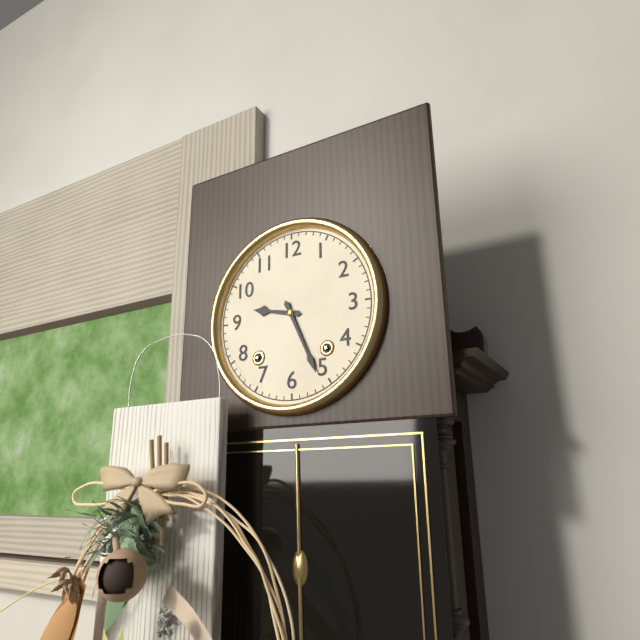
9:26
